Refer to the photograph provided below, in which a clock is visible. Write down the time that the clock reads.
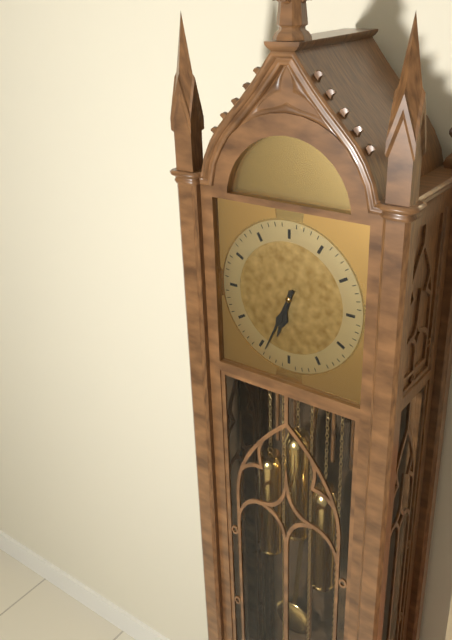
6:34
